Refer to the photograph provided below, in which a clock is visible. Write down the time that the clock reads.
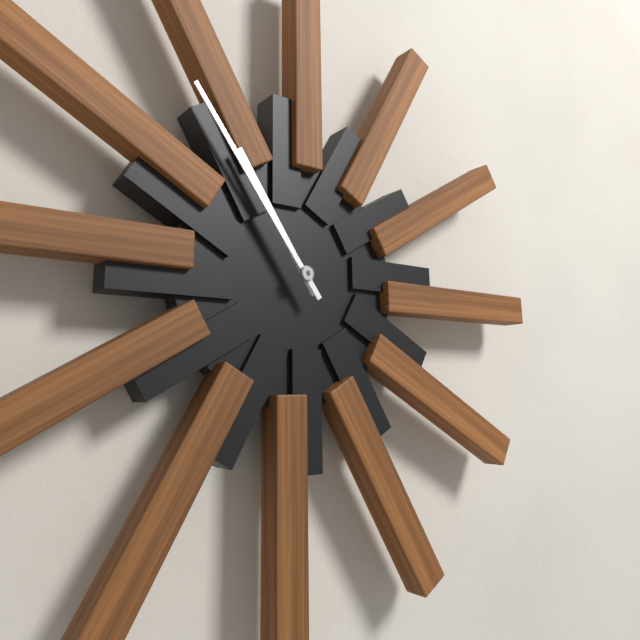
10:54
